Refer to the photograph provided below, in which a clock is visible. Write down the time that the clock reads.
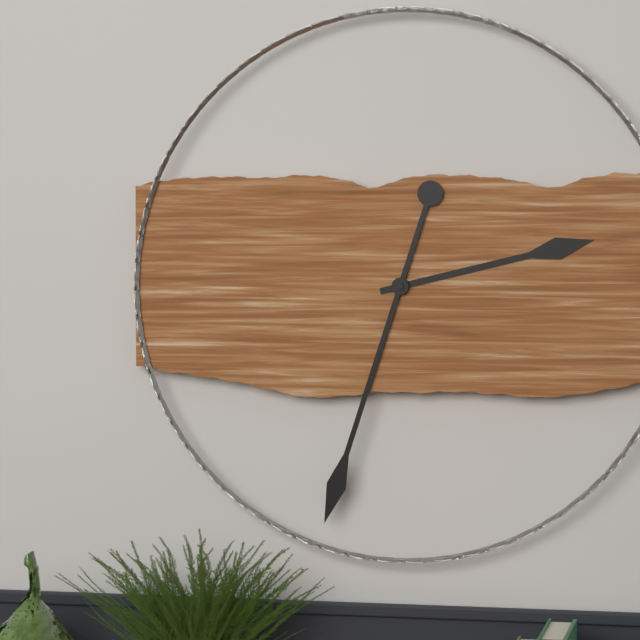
2:33
